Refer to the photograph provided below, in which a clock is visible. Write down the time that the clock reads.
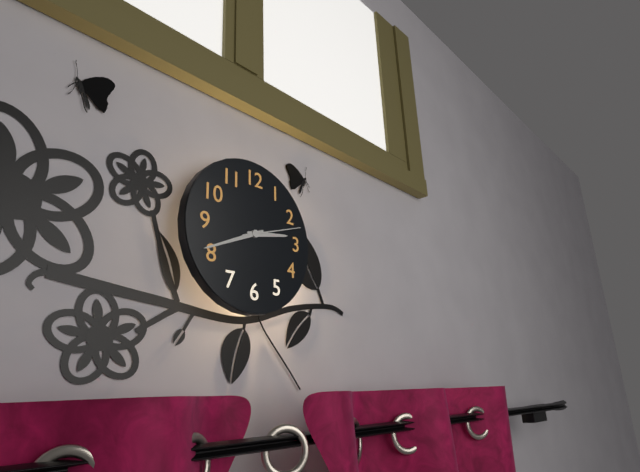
2:41:12
